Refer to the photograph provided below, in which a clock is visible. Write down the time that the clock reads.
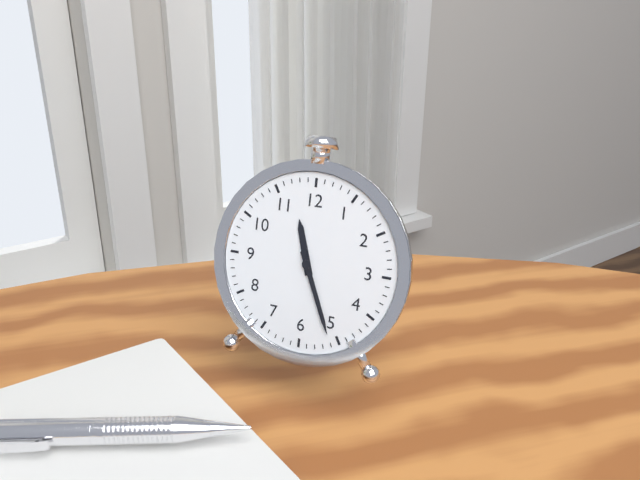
11:26
